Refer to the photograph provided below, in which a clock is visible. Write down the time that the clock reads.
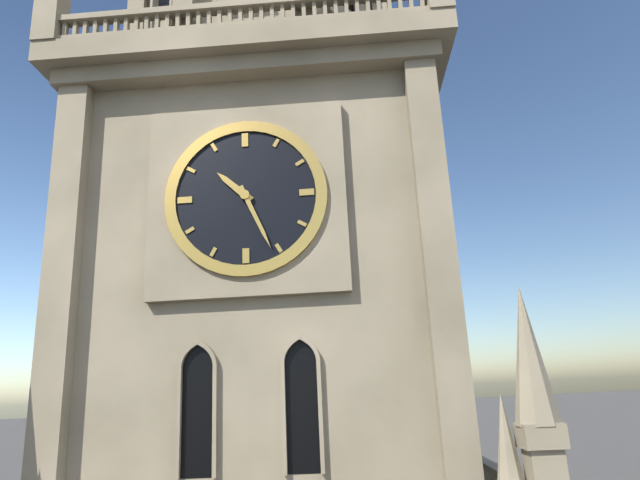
10:26
